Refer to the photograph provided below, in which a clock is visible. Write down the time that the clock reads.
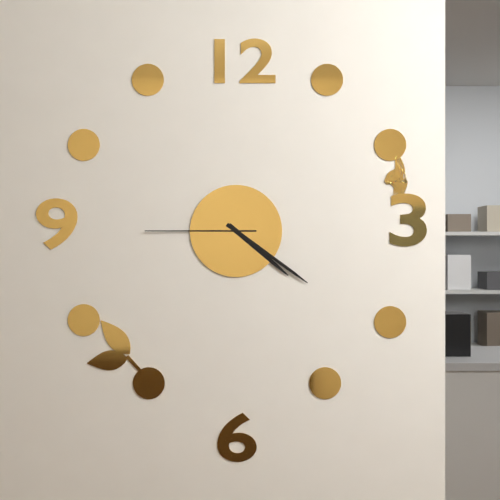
4:21:45
